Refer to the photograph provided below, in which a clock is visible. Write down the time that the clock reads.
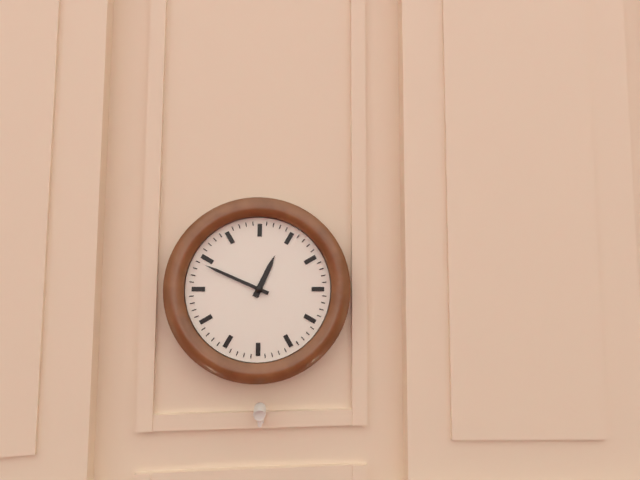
12:49
